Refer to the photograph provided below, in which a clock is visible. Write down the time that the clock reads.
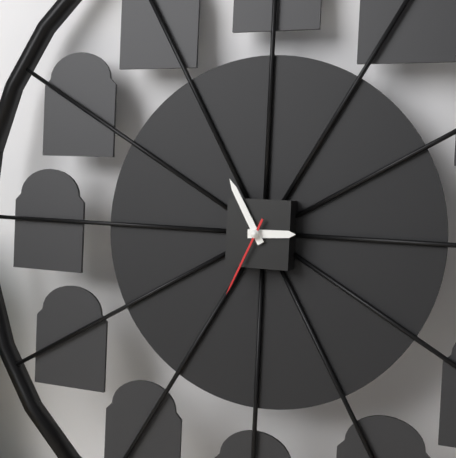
2:55:34
